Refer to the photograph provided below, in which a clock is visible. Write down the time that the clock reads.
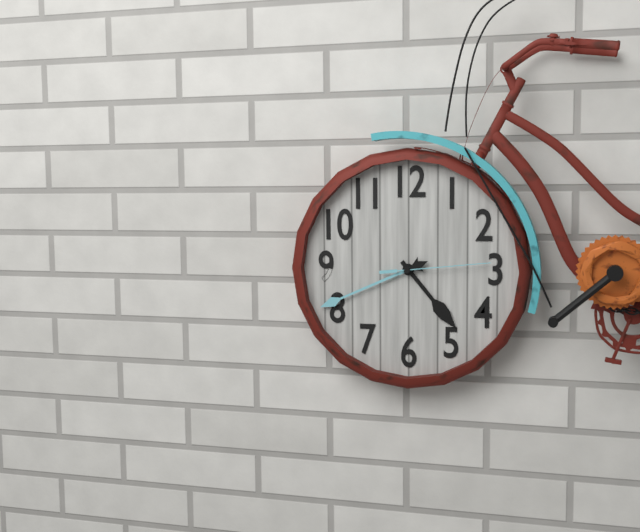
4:41:14
